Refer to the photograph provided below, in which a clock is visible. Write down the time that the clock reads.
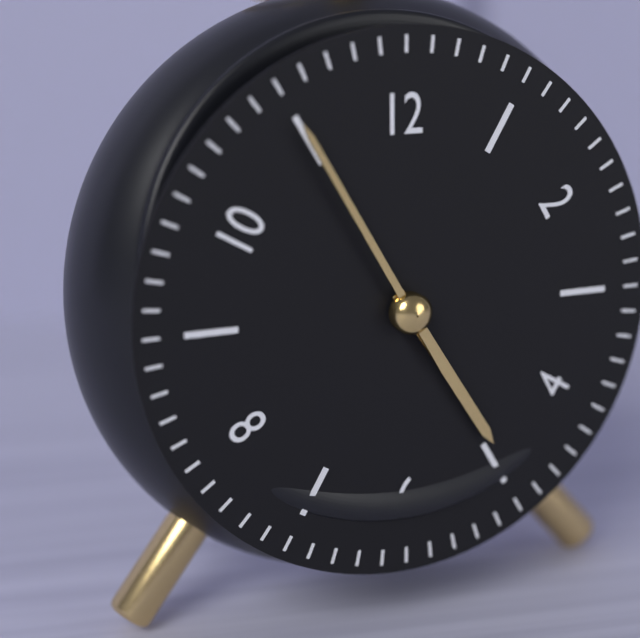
4:55
